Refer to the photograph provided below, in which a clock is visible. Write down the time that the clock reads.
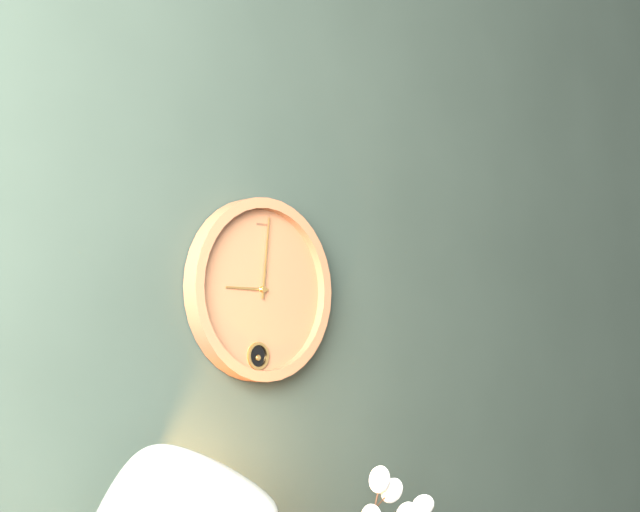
9:01
